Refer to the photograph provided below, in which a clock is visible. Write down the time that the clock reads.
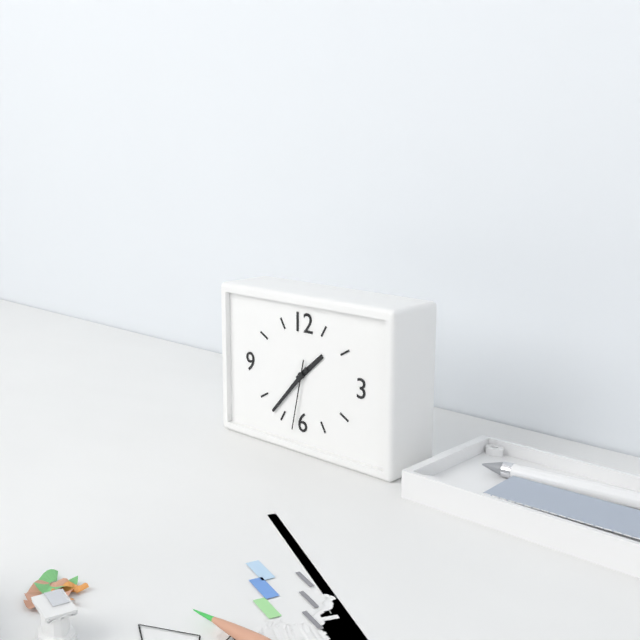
1:37:32
